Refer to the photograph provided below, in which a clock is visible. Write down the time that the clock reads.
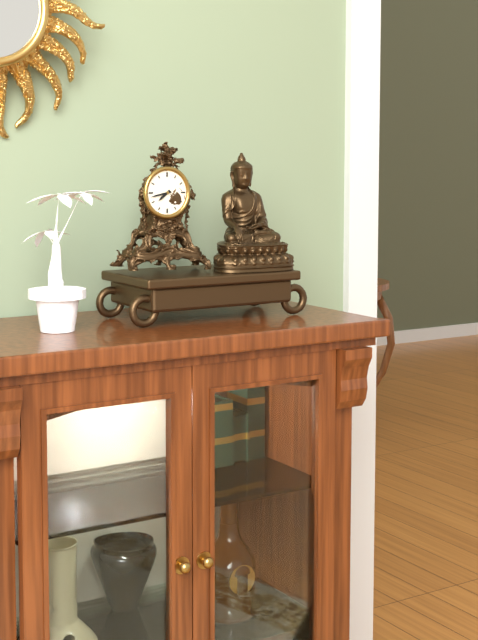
7:43
